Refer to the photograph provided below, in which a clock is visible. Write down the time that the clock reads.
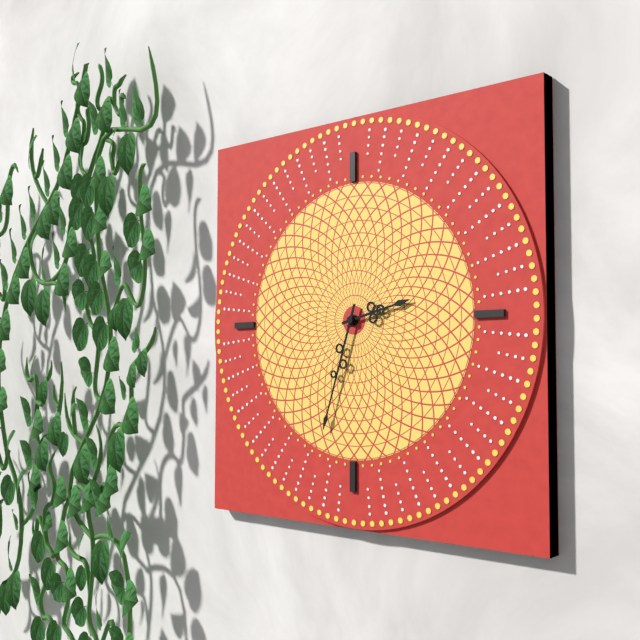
2:33
